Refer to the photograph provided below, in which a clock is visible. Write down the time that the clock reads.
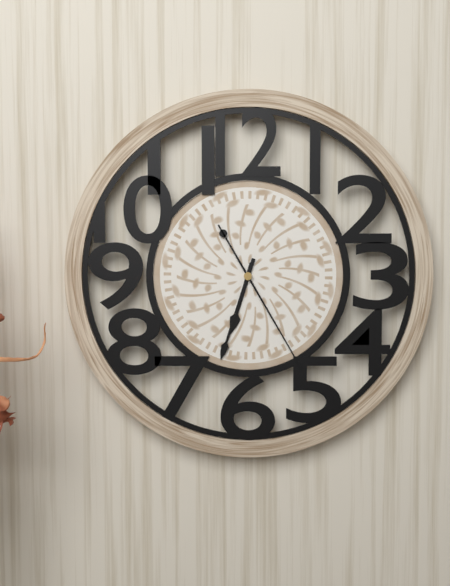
6:33:25
